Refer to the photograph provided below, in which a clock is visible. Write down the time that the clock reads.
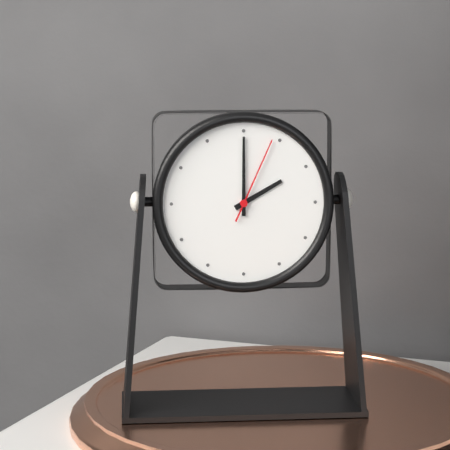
2:00:04
